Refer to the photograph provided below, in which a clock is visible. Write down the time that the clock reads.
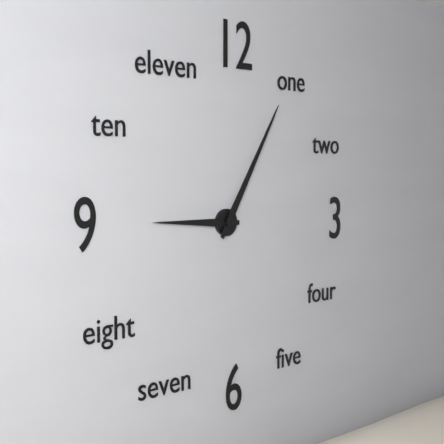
9:05
